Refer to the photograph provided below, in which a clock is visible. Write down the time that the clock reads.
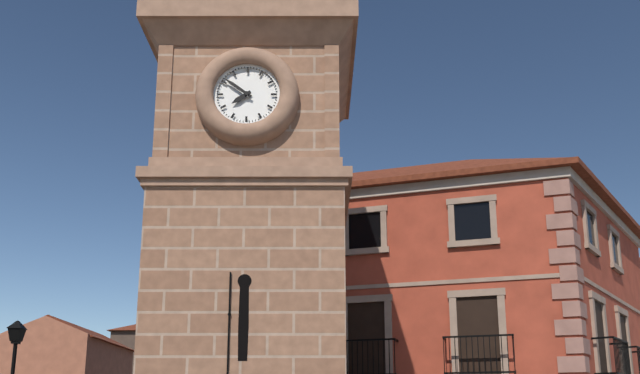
7:51
